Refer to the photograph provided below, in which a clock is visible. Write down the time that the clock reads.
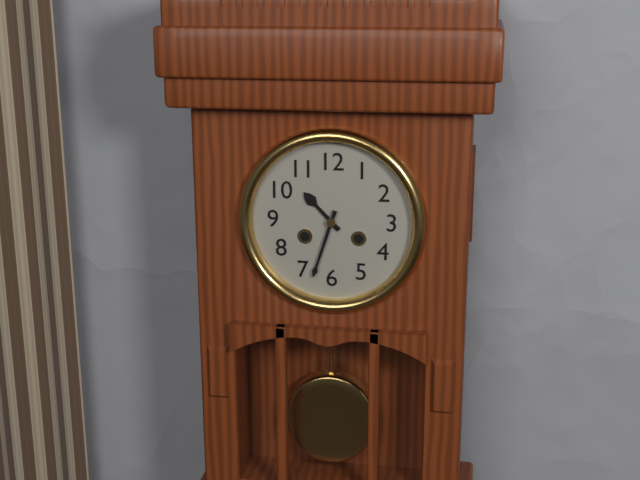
10:33
